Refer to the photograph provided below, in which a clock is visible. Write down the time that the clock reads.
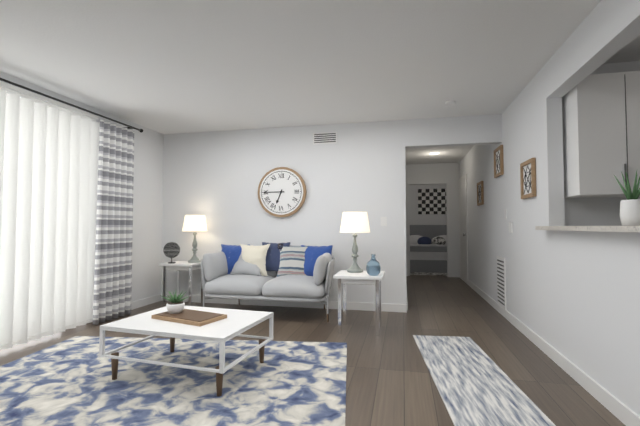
6:45
